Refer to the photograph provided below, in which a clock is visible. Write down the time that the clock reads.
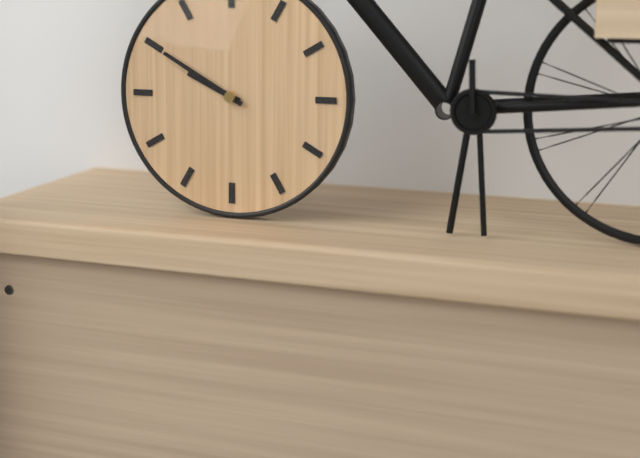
9:50
